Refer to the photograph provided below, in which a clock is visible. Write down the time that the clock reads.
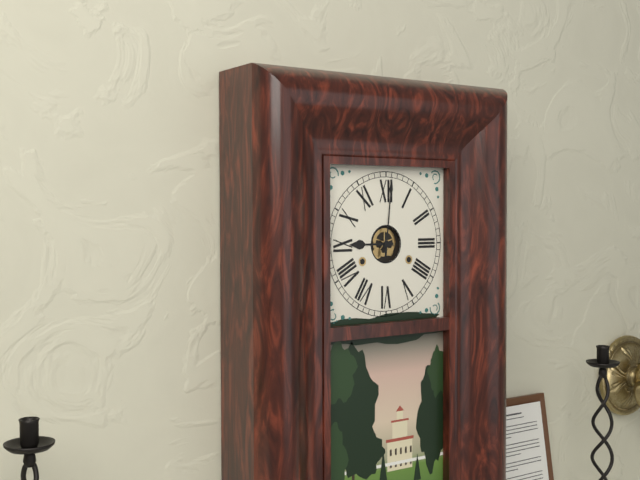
9:01
